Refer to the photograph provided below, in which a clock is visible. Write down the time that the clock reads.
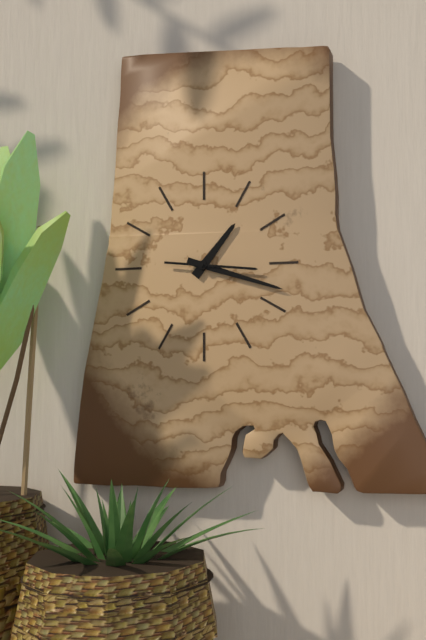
1:18:16
